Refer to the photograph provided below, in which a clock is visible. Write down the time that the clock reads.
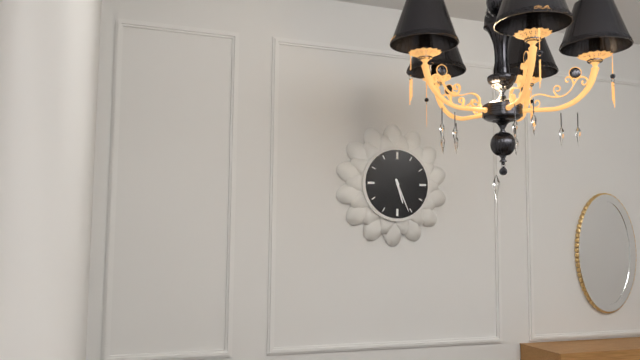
5:26
